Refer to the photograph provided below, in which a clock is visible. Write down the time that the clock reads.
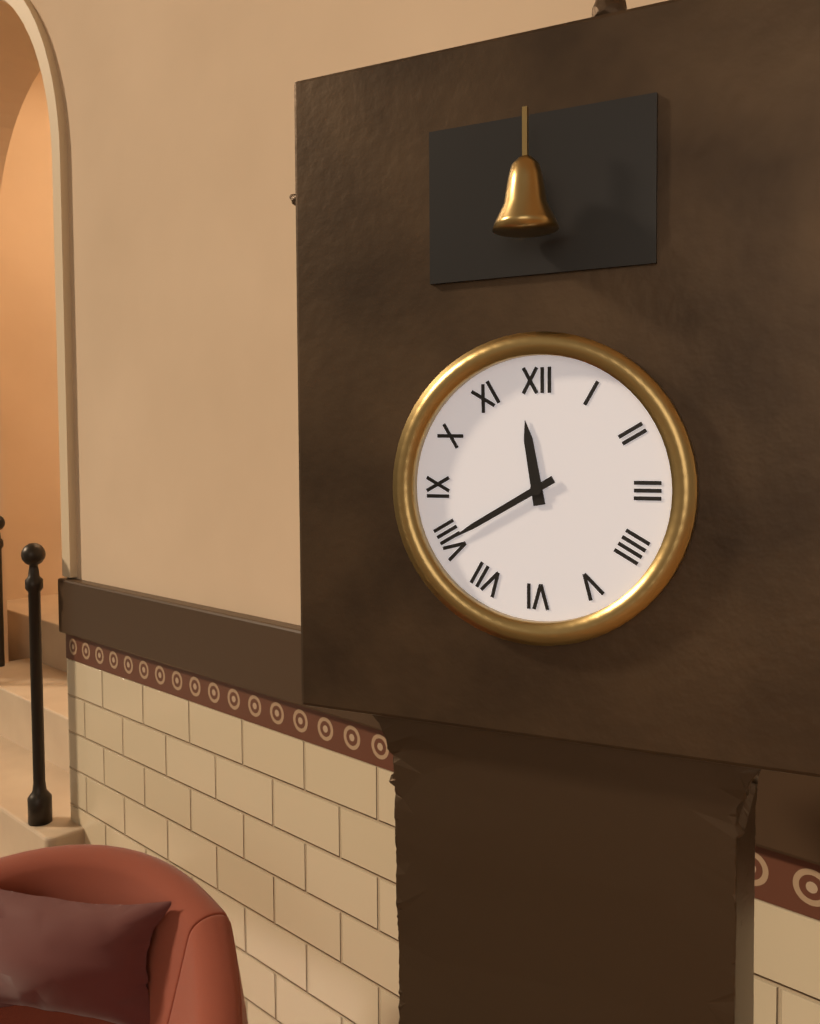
11:40
